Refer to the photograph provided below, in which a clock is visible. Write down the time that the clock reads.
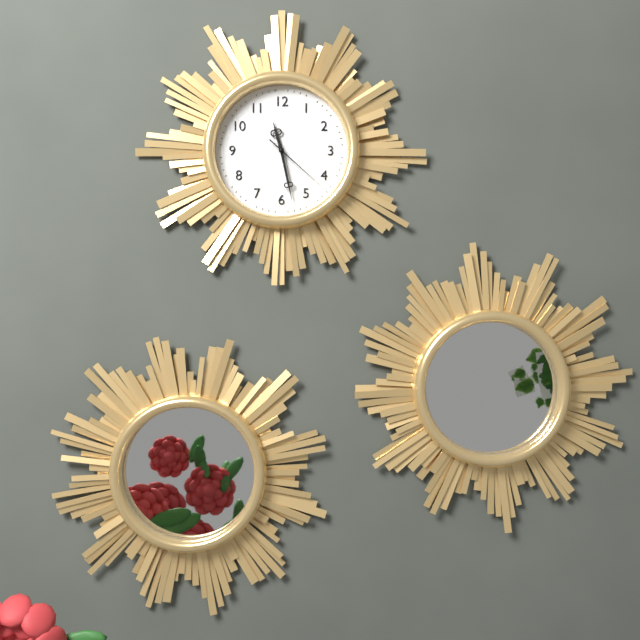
11:28:22
